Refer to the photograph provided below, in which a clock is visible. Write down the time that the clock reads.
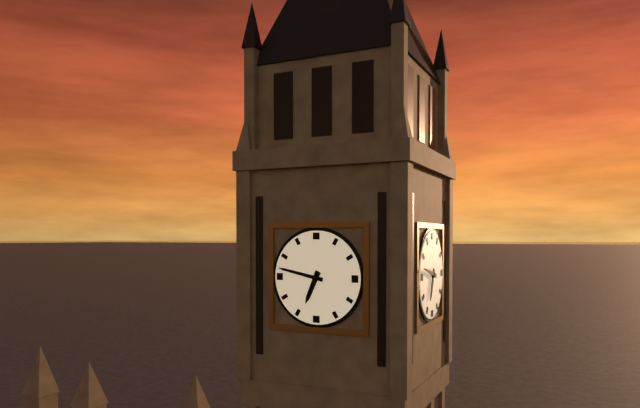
6:47
